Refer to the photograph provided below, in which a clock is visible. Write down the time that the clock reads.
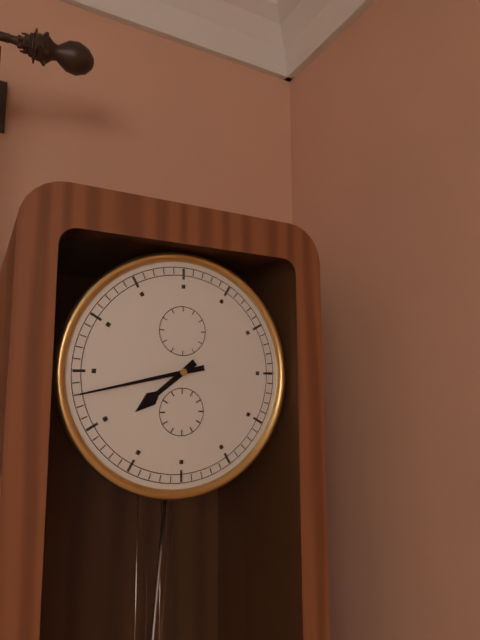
7:43
